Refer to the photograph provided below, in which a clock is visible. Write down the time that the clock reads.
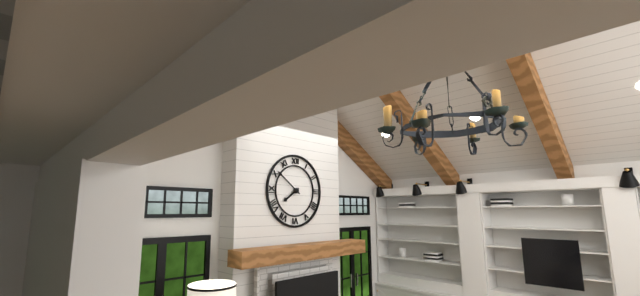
7:51
